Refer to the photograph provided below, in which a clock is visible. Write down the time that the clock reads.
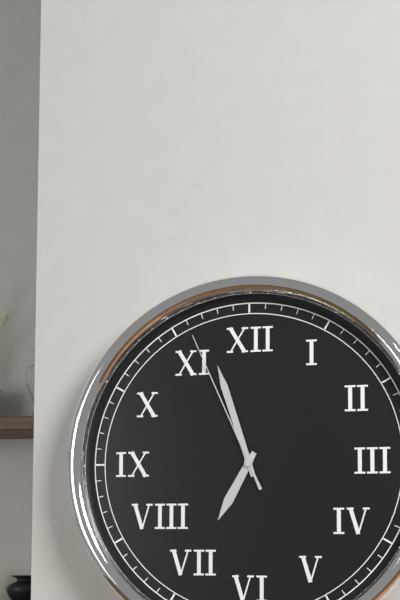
6:57:56
